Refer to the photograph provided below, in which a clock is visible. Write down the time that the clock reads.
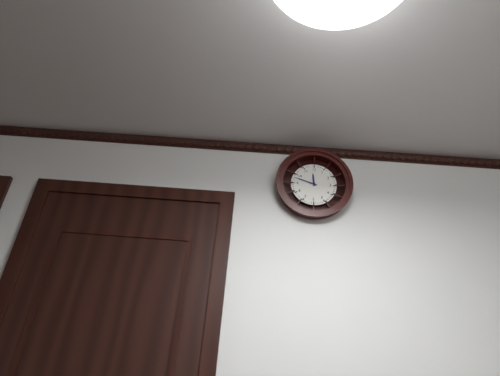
11:48
